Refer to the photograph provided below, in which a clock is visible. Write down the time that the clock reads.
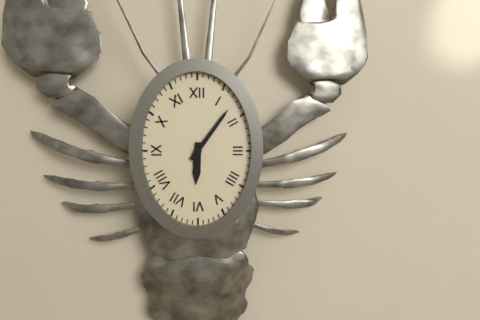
6:06
